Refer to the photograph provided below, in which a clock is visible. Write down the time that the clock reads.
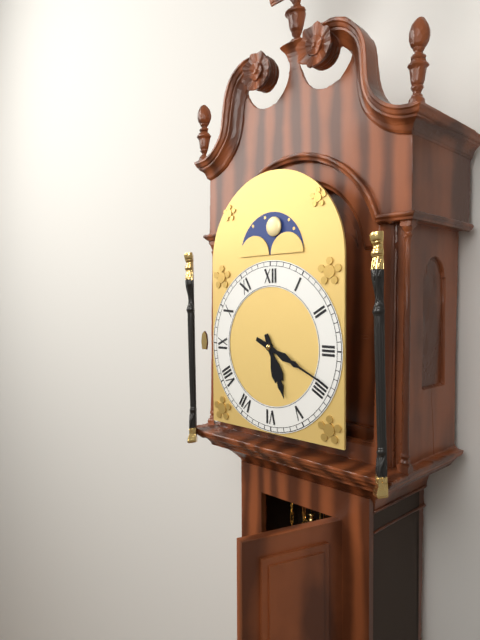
5:19
